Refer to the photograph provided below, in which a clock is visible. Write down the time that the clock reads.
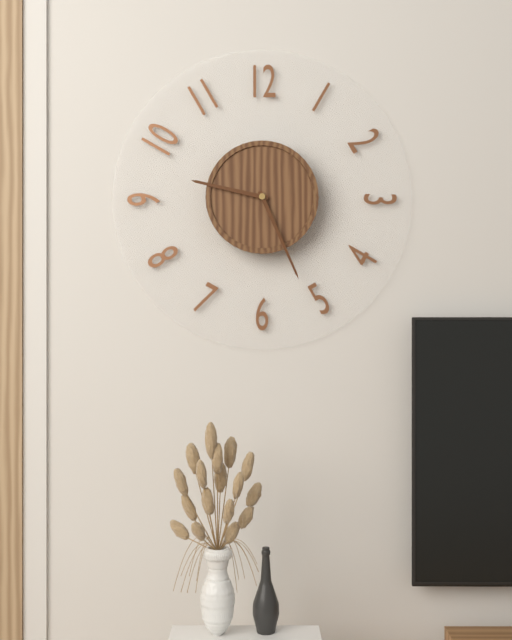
9:26
